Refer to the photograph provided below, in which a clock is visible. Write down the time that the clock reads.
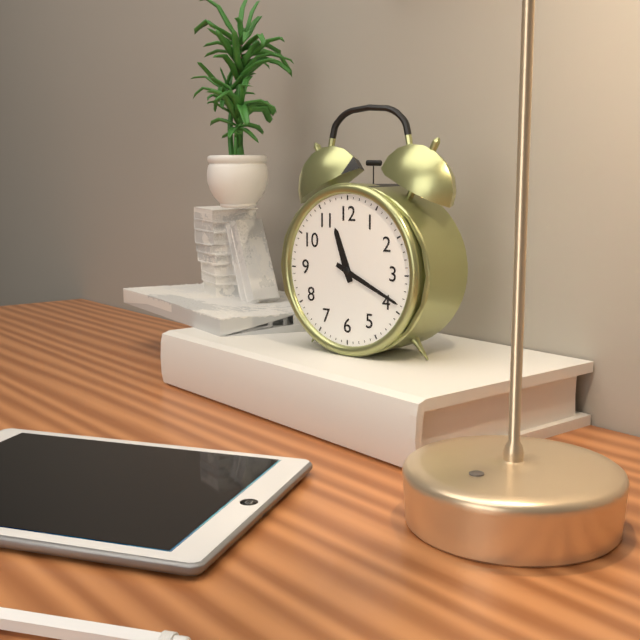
11:19
